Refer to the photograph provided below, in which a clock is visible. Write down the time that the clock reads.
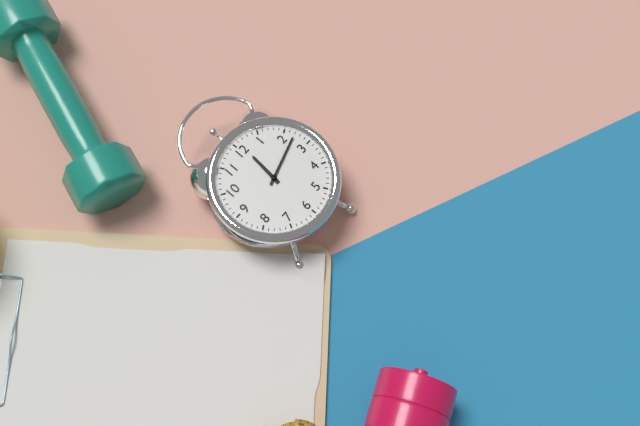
12:12
